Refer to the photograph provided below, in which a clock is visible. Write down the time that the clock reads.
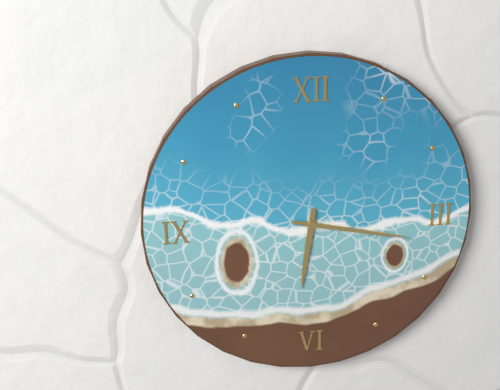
6:17
